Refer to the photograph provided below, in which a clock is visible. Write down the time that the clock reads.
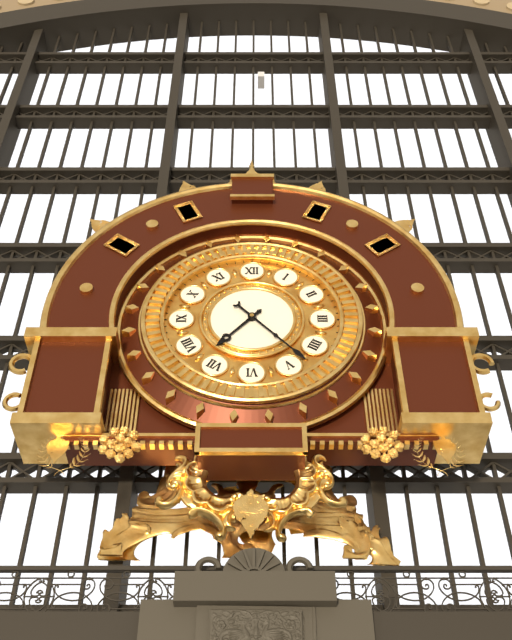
7:23
